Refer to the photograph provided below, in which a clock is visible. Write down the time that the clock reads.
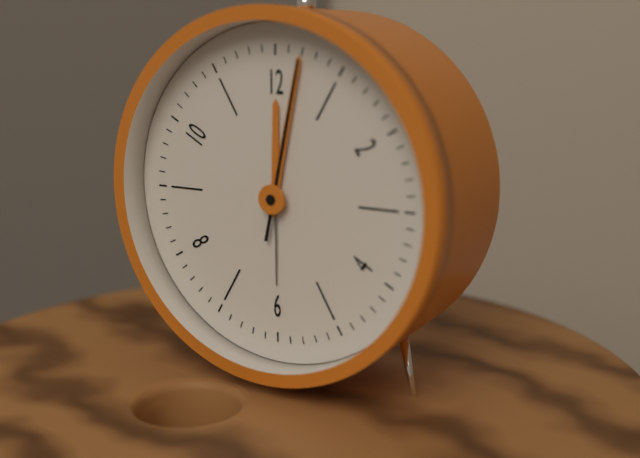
12:02:02
